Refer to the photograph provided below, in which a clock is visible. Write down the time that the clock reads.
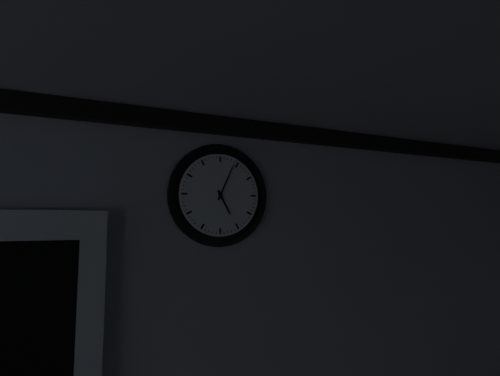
5:04
